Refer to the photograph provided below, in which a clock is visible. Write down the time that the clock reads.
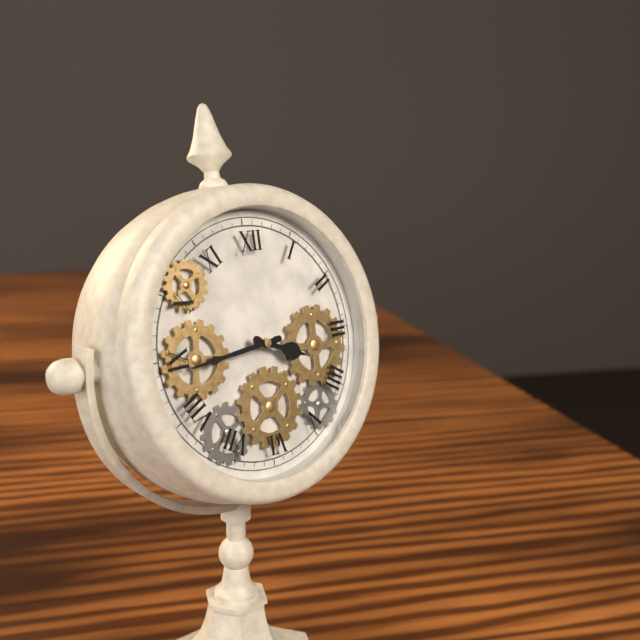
3:44
